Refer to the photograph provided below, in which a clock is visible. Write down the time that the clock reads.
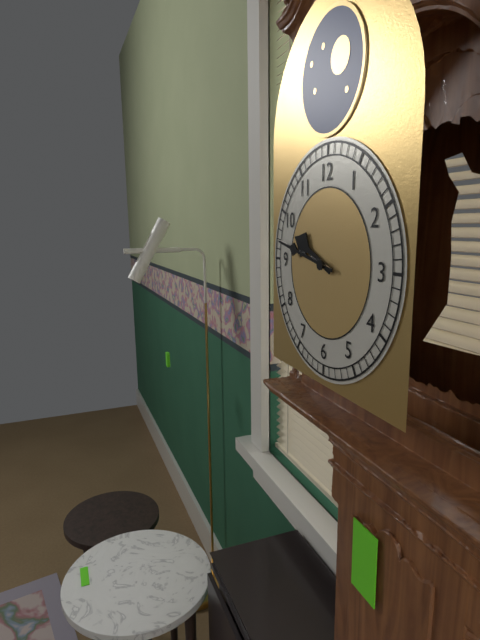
9:47
